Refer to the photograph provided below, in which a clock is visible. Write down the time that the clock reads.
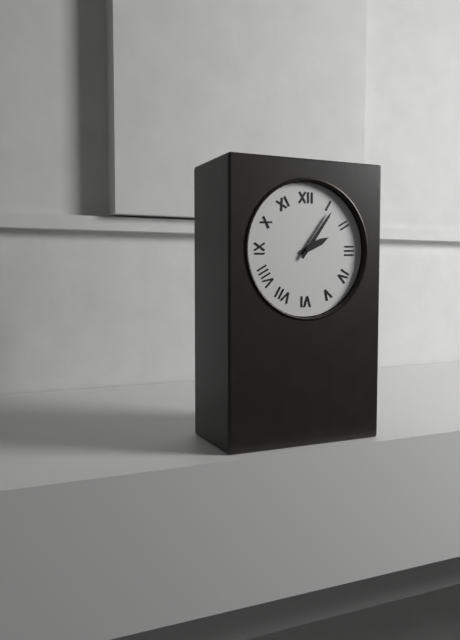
2:06
